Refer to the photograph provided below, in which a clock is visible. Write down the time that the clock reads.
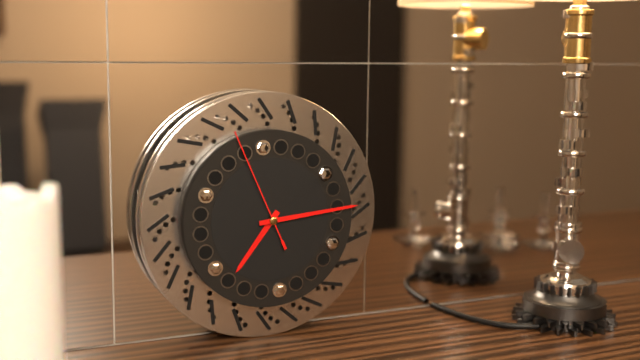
7:14:56
